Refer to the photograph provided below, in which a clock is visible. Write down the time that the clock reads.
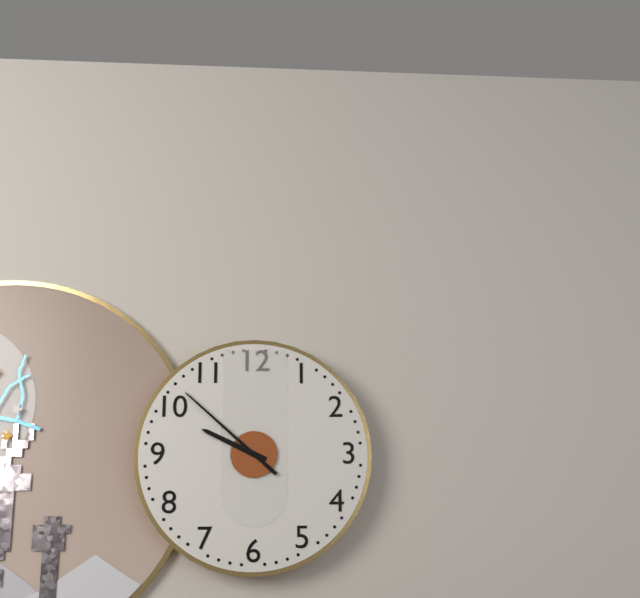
9:52
